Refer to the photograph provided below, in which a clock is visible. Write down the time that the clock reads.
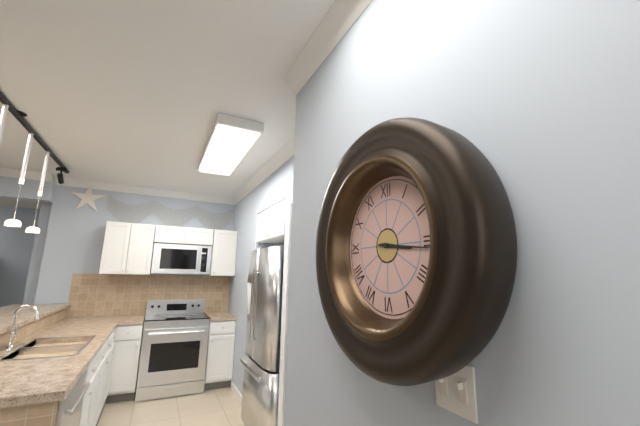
3:16
